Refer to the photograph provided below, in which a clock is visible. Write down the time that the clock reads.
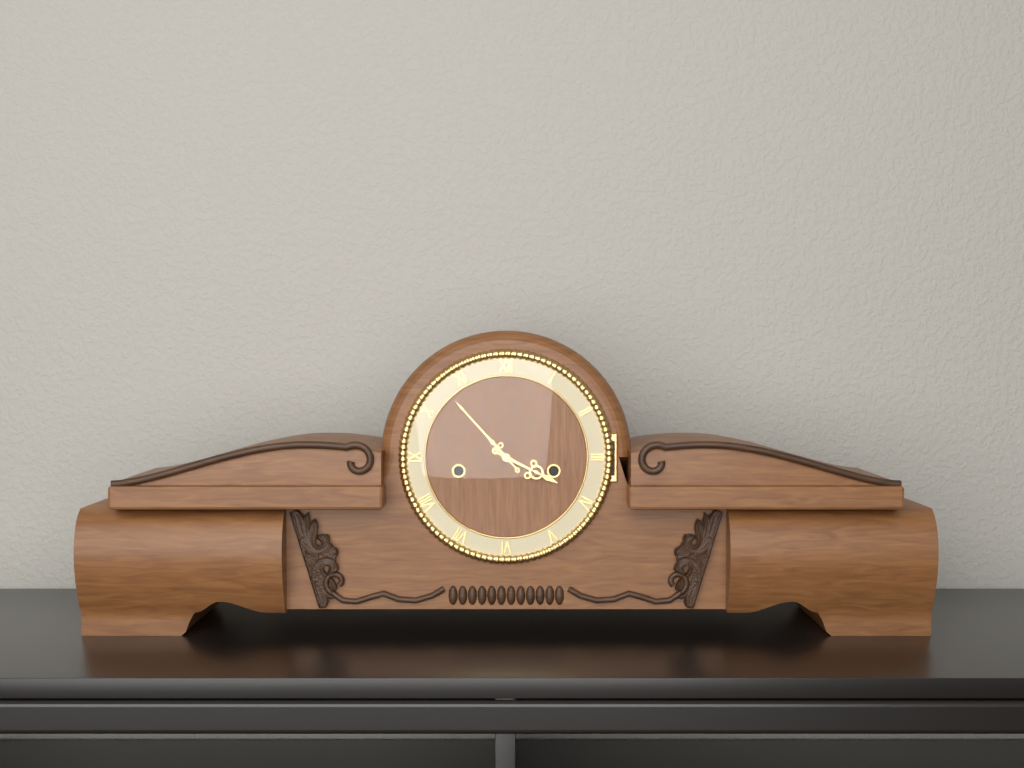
3:53
